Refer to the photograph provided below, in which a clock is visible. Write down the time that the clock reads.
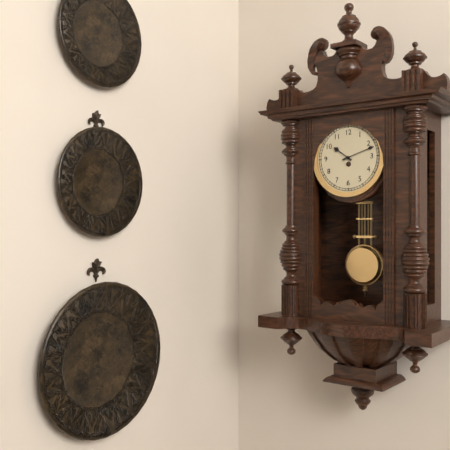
10:12
